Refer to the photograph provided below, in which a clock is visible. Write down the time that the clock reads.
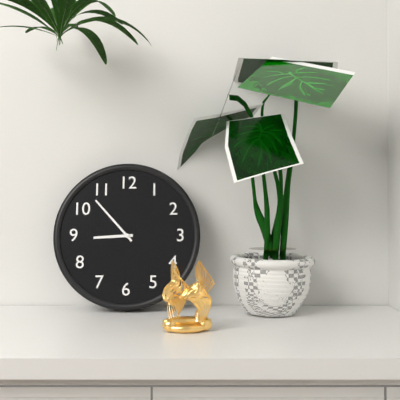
8:53
